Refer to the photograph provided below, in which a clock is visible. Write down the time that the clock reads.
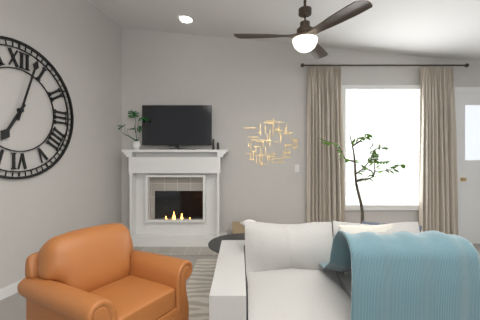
7:03
